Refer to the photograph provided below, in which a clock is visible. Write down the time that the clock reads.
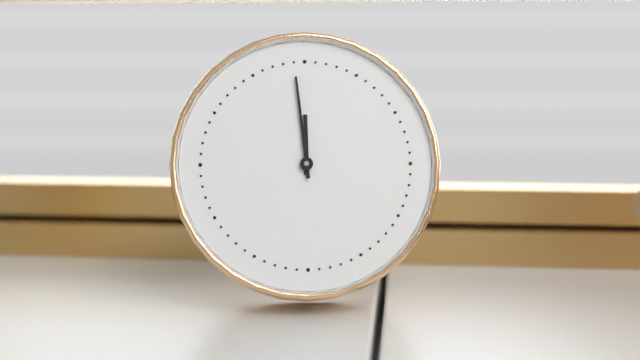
11:59
